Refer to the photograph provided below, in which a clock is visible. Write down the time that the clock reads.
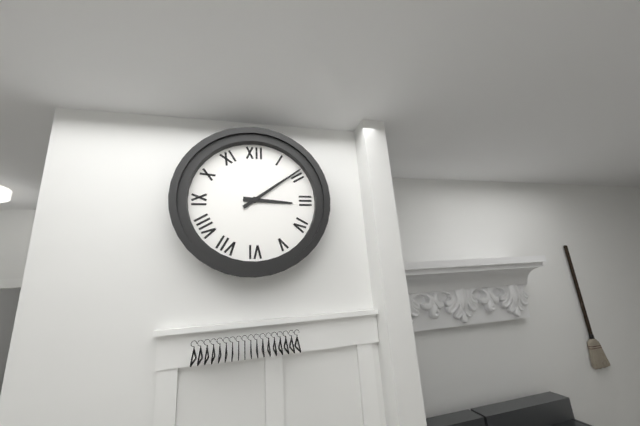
3:09
